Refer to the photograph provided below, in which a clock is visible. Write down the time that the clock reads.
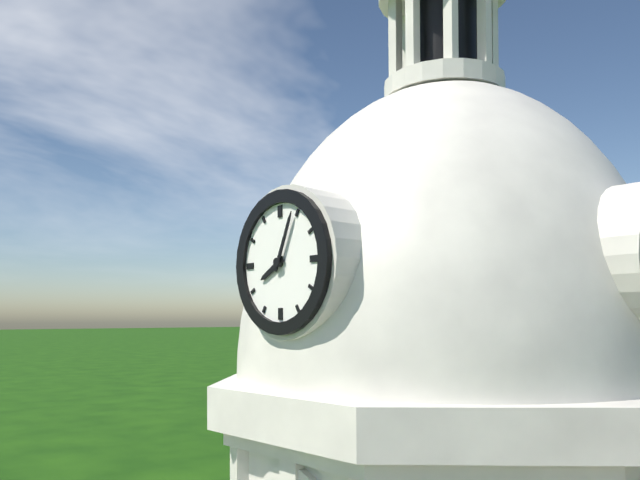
8:04
